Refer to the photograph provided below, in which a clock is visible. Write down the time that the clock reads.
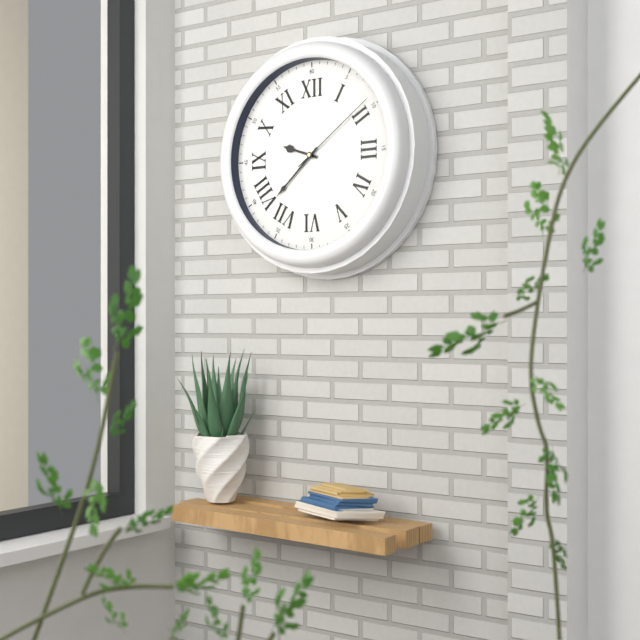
9:38:09
